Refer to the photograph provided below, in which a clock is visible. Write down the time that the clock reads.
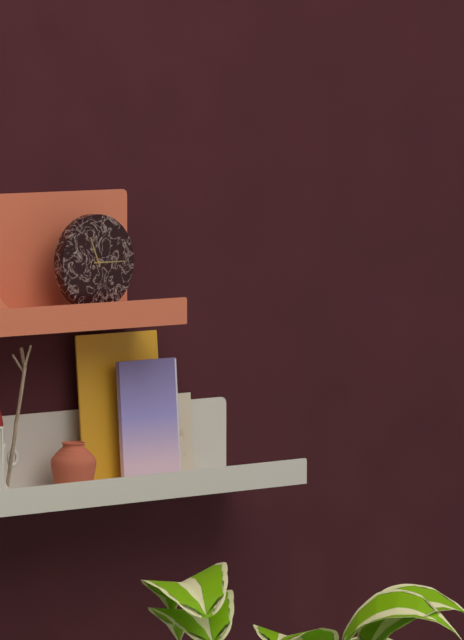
11:15
